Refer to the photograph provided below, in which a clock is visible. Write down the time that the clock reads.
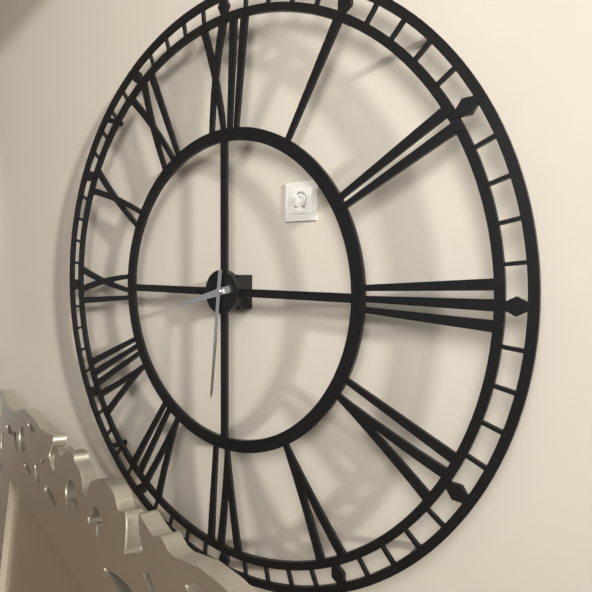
8:31
